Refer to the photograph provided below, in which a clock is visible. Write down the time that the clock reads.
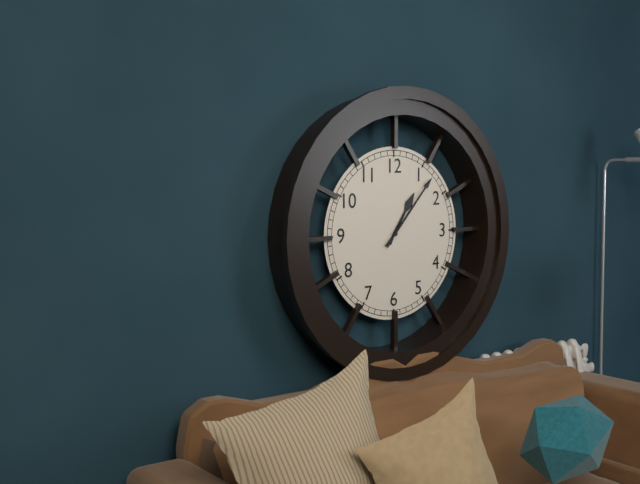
1:07
